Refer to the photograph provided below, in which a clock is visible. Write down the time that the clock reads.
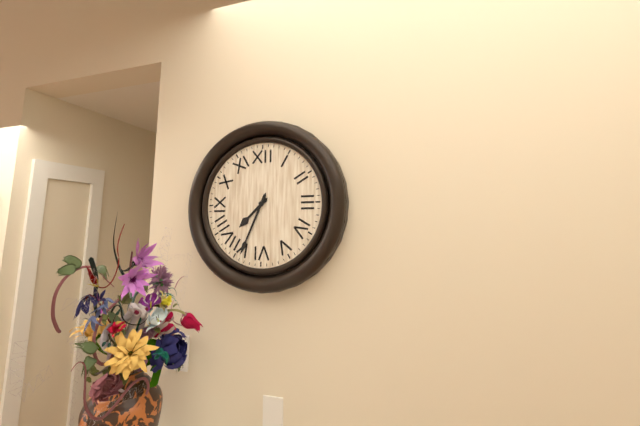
7:34
